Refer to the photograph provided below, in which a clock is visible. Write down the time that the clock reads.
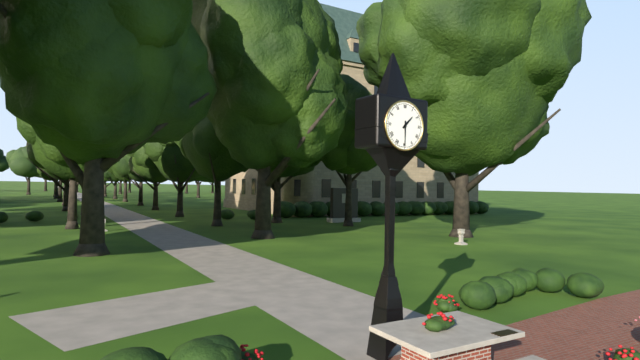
1:30
